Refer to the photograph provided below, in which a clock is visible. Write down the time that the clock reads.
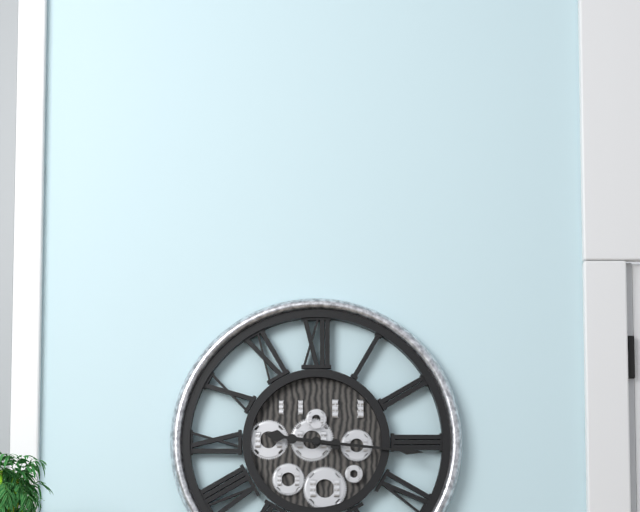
9:16
